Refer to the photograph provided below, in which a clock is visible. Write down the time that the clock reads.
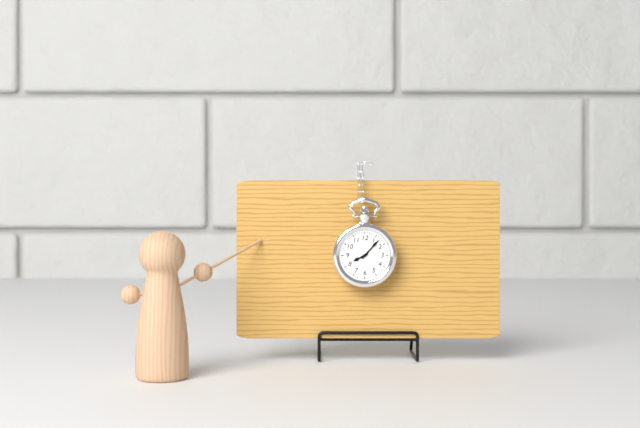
8:07
